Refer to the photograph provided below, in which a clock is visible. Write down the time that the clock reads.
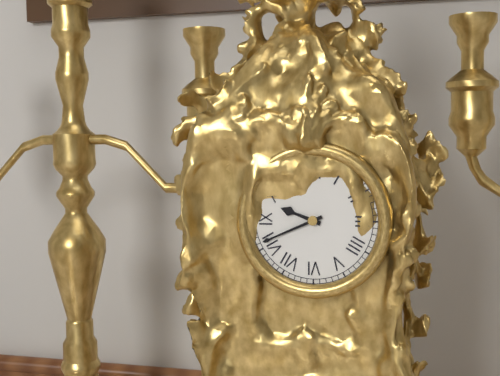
9:41
